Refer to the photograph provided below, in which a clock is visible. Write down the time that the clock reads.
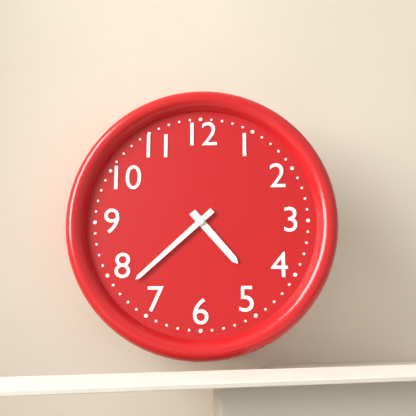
4:38
